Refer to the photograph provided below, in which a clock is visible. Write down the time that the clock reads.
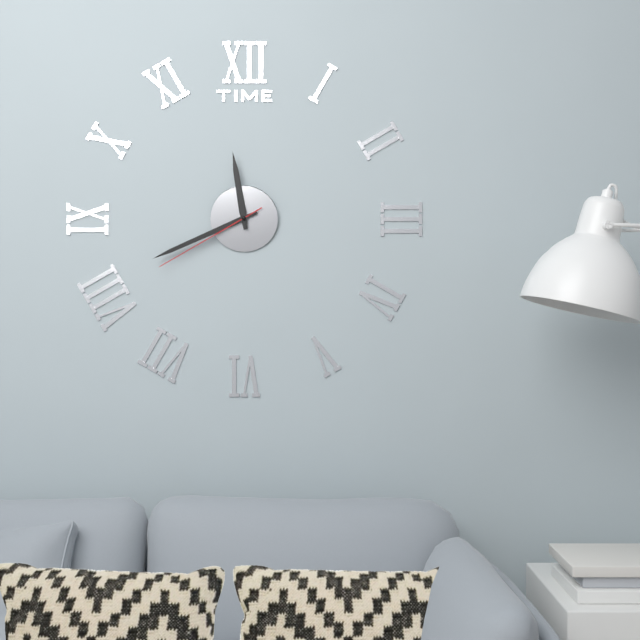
11:41:40
